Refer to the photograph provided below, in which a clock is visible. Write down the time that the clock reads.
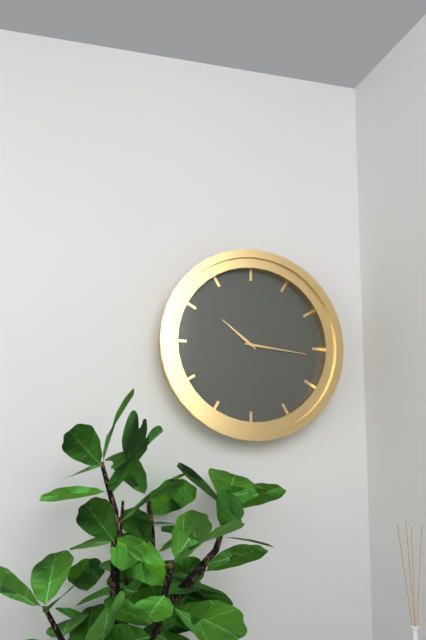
10:16
